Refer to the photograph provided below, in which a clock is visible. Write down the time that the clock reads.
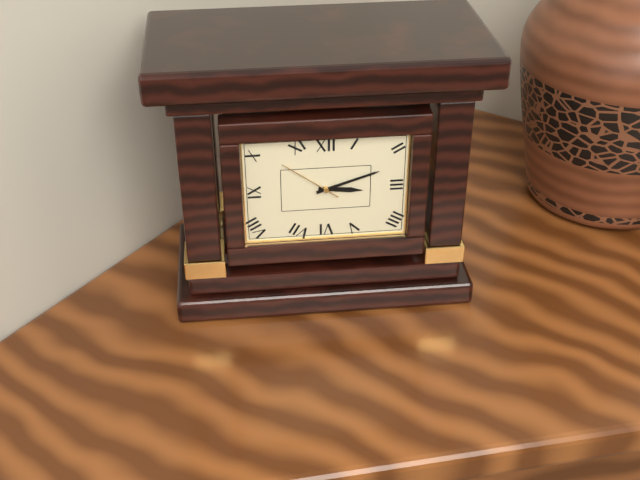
3:12:51
